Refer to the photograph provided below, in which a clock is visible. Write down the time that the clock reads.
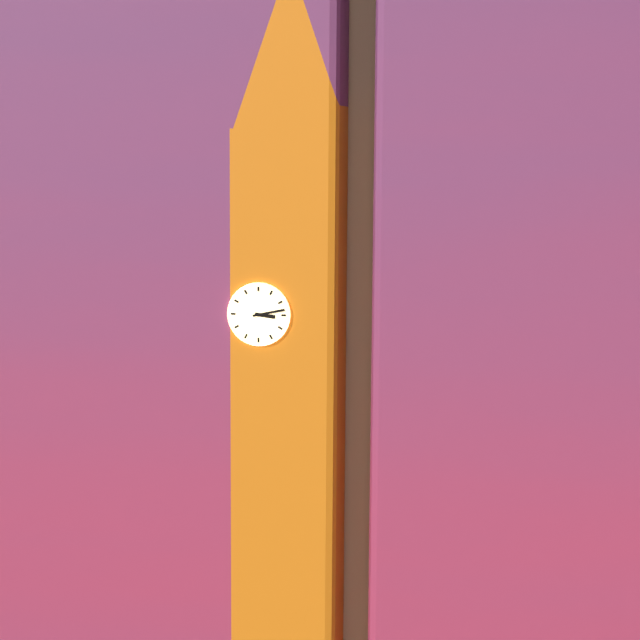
3:13
